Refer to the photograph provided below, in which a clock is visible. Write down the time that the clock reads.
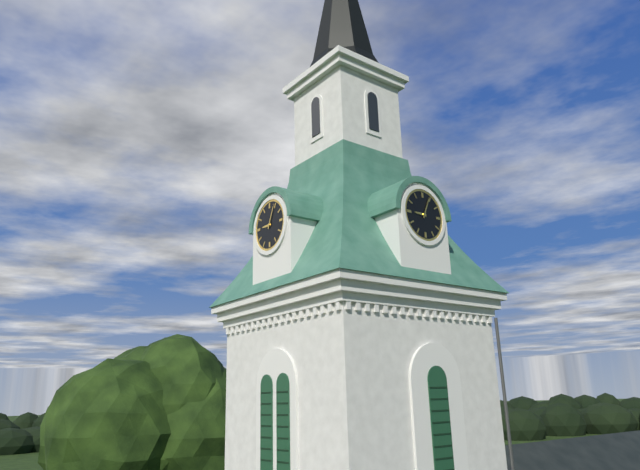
9:04
